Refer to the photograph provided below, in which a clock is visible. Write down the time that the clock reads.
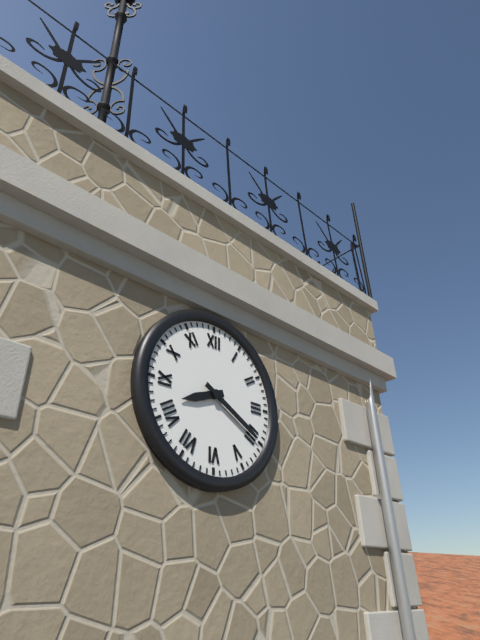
8:20
